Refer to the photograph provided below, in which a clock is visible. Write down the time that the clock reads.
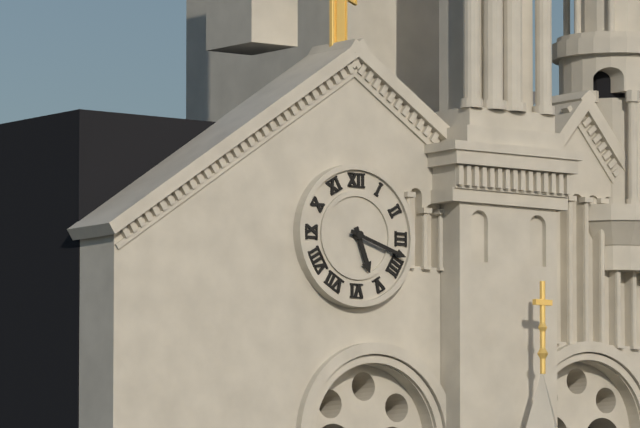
5:18
